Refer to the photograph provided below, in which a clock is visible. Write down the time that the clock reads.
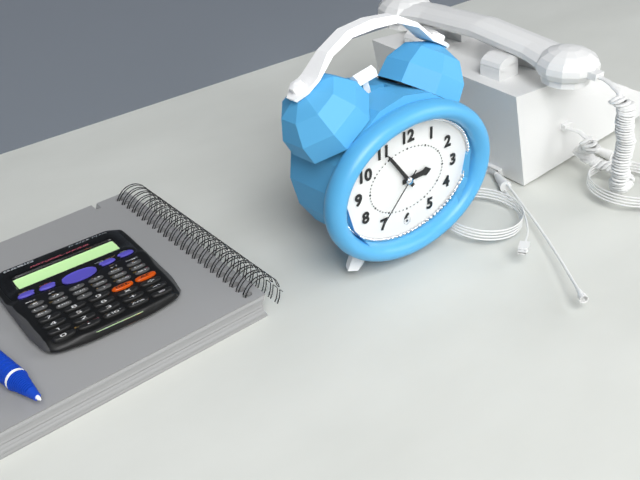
2:54:37
